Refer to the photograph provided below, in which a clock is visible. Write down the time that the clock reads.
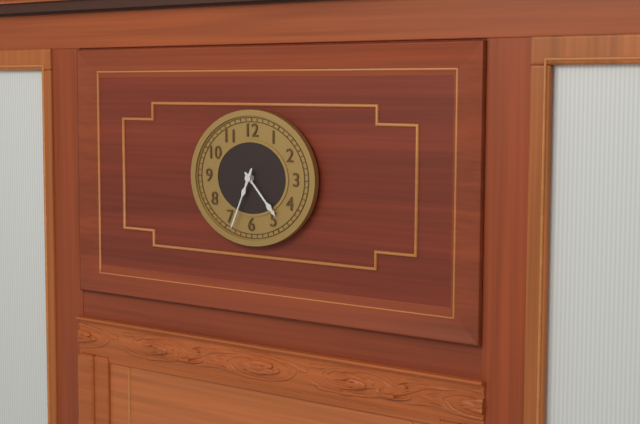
4:34
